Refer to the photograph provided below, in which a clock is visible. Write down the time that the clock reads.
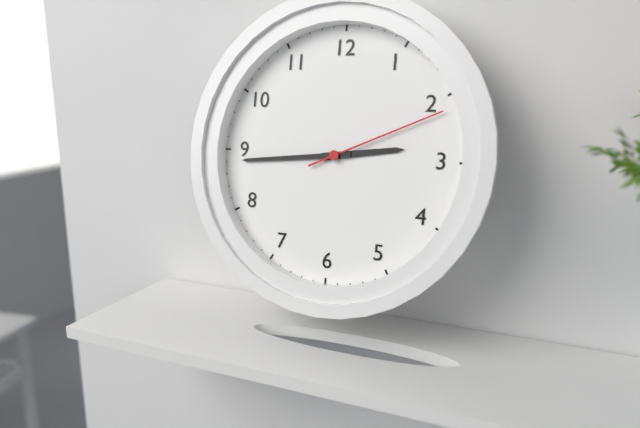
2:44:11
